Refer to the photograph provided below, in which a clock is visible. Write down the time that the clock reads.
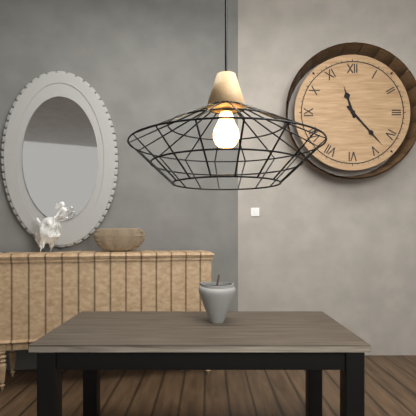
11:23
